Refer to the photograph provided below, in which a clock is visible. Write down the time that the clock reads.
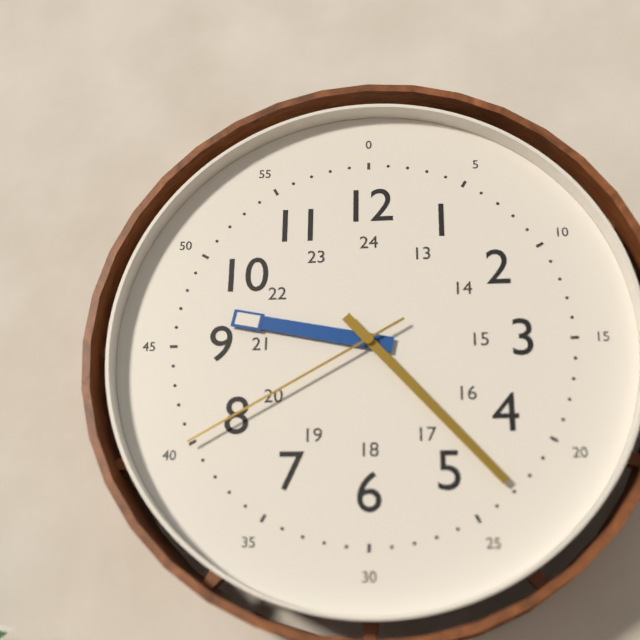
9:23:40
